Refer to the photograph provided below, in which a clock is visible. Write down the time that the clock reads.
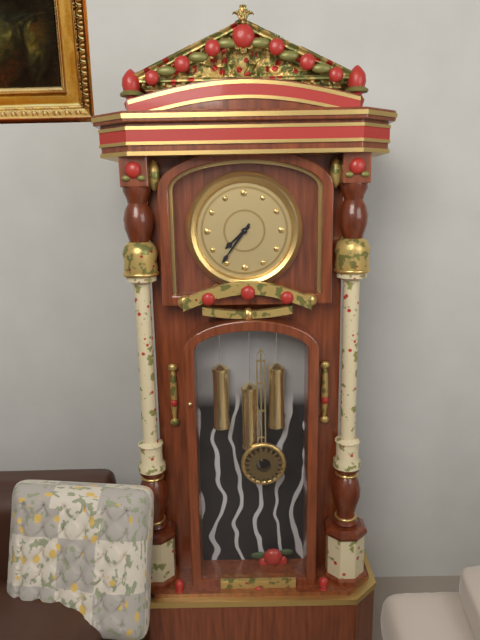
7:36
